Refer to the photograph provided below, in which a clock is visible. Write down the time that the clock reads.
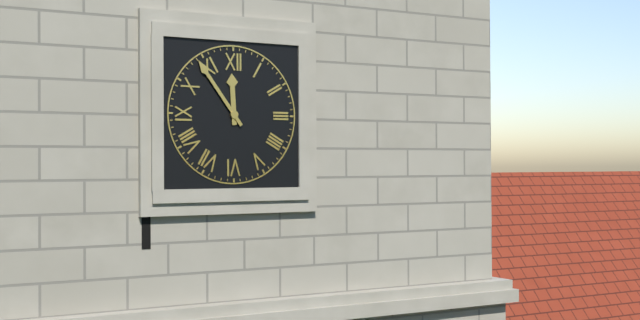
11:54
